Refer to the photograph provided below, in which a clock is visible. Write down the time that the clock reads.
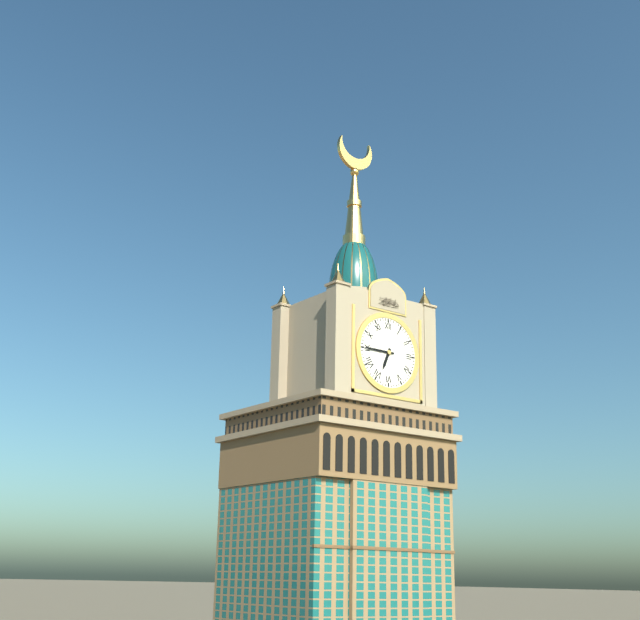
6:45
